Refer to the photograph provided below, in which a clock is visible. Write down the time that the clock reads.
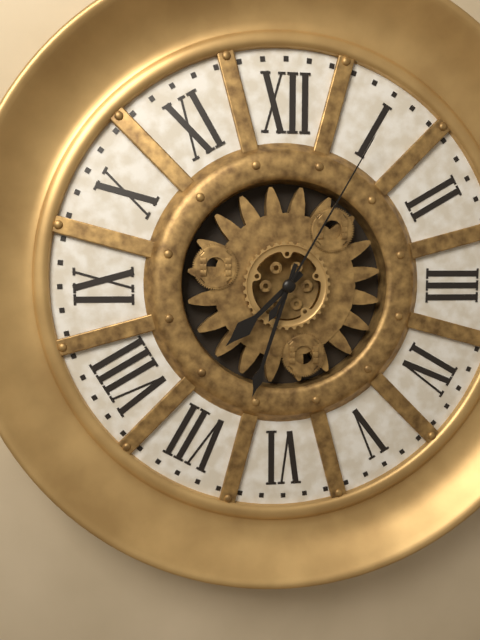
7:33:05
